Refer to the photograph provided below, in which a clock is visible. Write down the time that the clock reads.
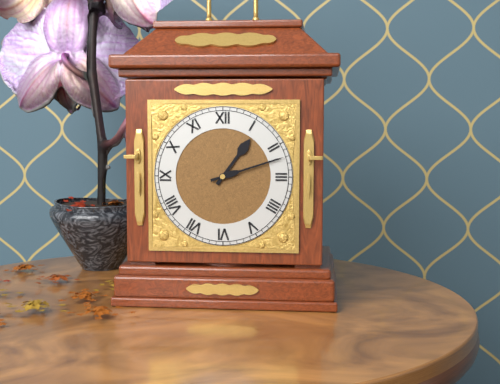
1:12
